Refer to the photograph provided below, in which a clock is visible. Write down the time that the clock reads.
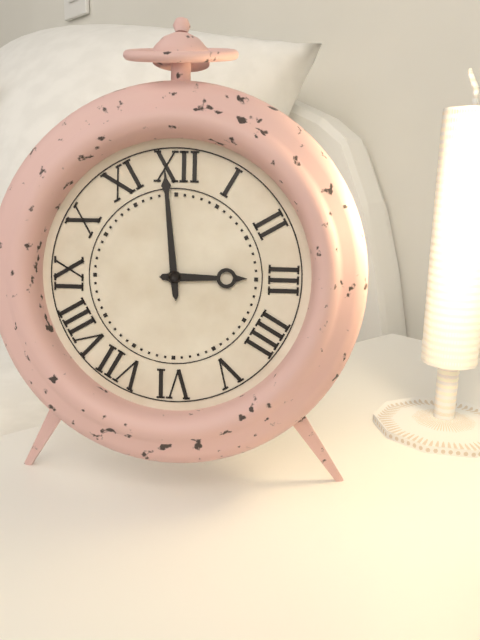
2:59
